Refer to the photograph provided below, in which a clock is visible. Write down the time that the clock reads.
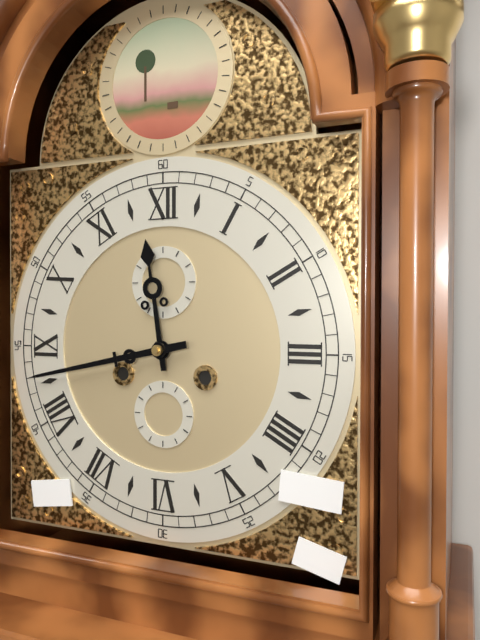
11:43
